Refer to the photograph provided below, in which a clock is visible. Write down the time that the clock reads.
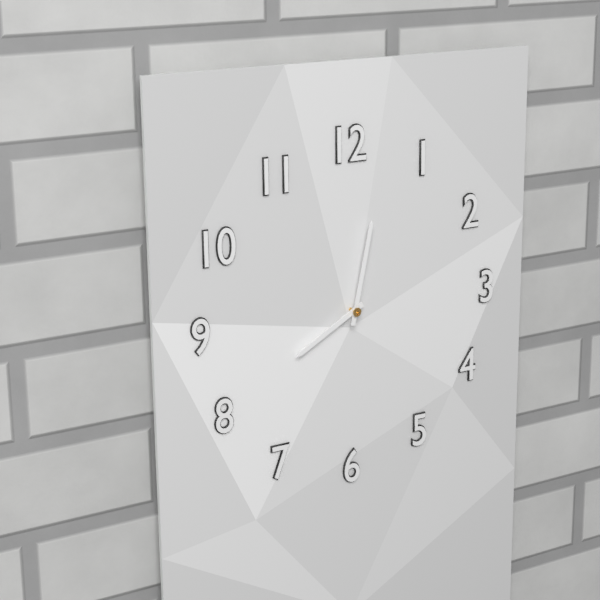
8:02
